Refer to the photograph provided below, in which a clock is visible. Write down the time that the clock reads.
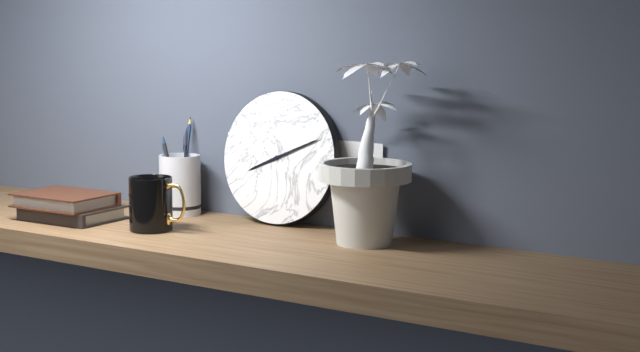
8:11
